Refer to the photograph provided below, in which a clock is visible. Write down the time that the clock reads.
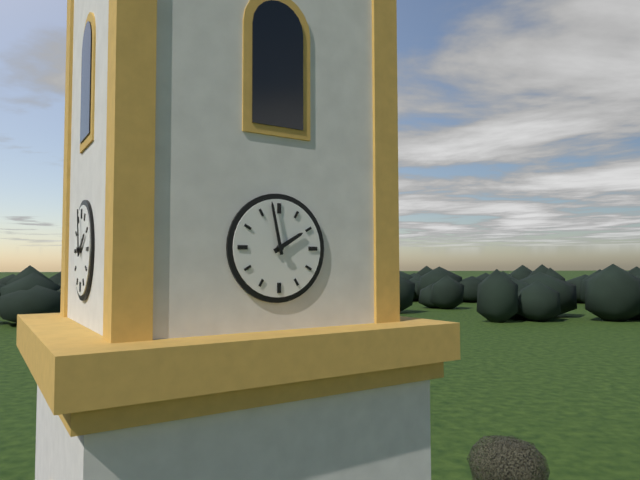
1:58
